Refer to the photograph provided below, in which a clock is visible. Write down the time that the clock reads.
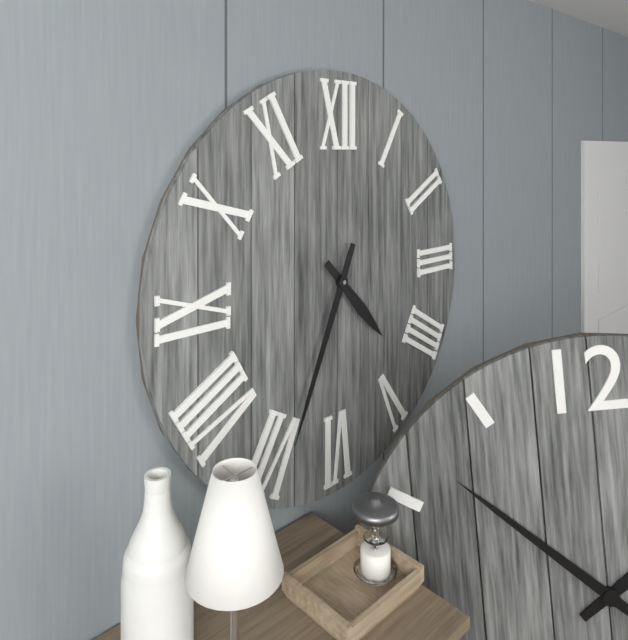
4:34
